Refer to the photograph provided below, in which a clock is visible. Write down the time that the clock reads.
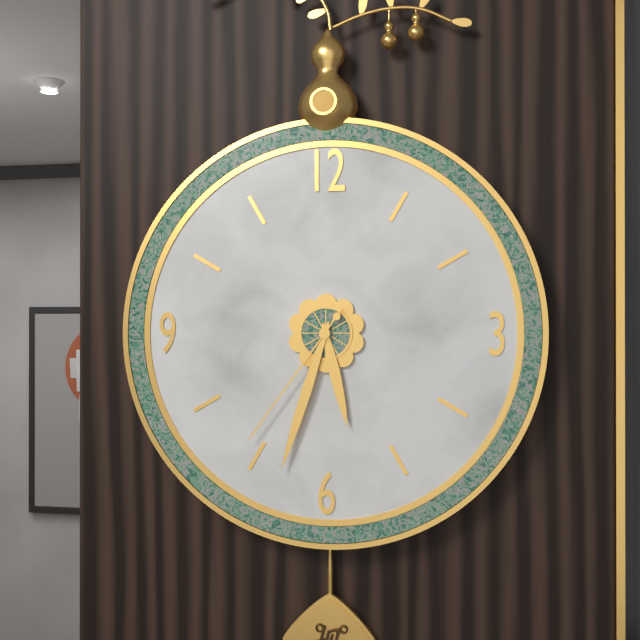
5:33:36
